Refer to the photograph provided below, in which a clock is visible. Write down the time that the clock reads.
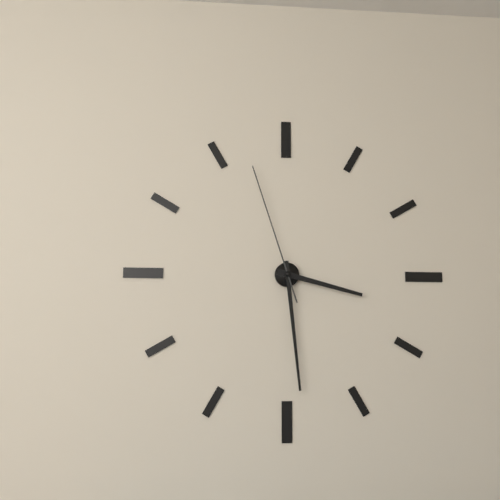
3:29:57
